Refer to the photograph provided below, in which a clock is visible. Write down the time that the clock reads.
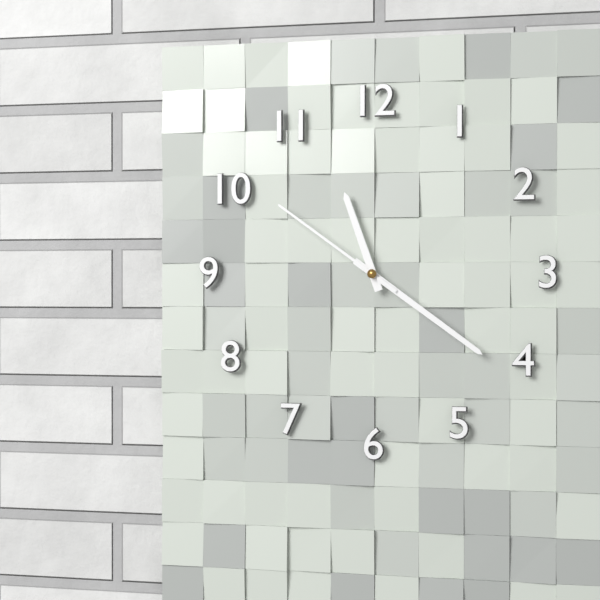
11:21:51
